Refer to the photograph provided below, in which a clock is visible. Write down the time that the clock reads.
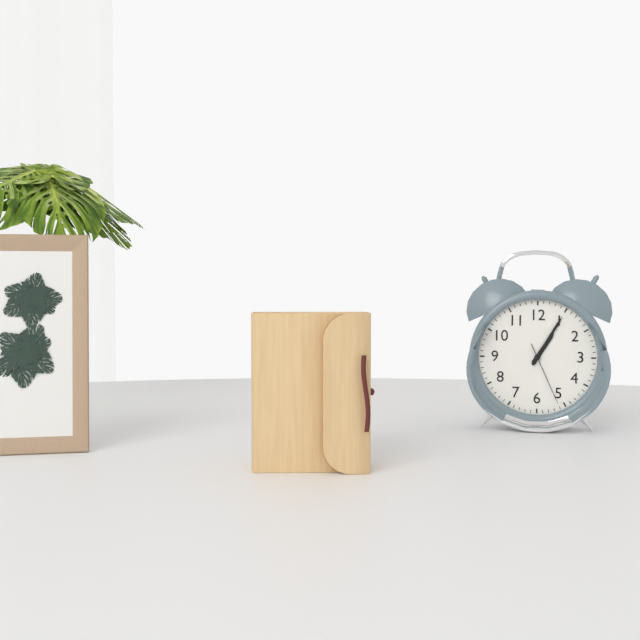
1:05:26
